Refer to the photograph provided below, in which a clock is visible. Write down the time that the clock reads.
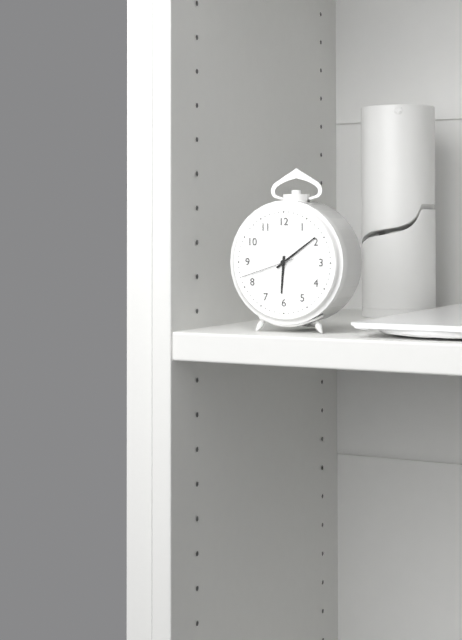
6:09:42
